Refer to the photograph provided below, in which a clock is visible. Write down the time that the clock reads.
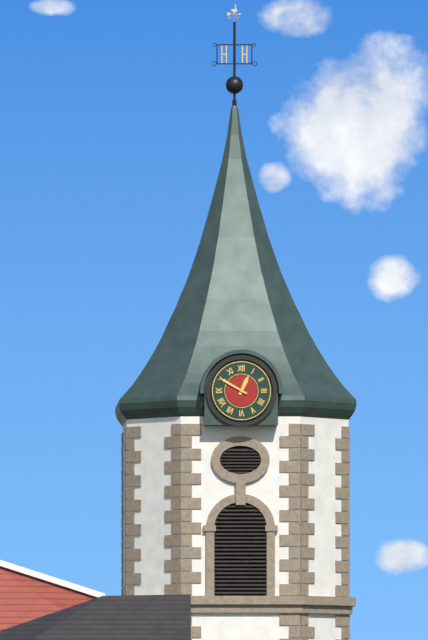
12:50
